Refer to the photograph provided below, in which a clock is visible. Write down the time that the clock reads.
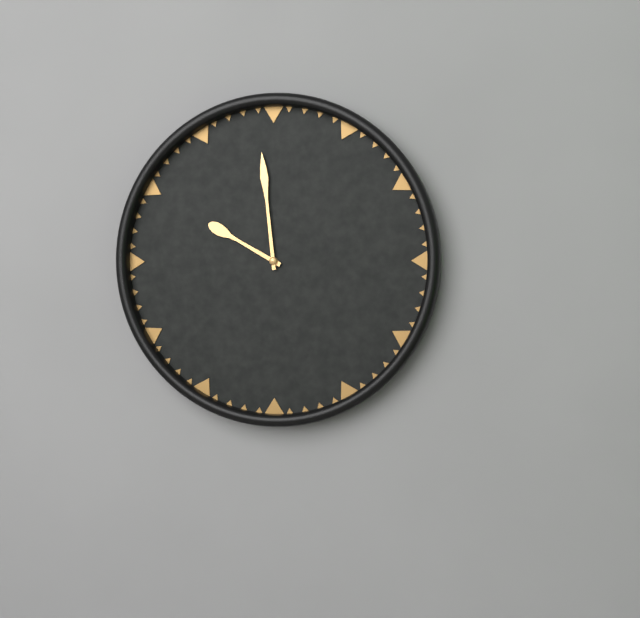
9:59
